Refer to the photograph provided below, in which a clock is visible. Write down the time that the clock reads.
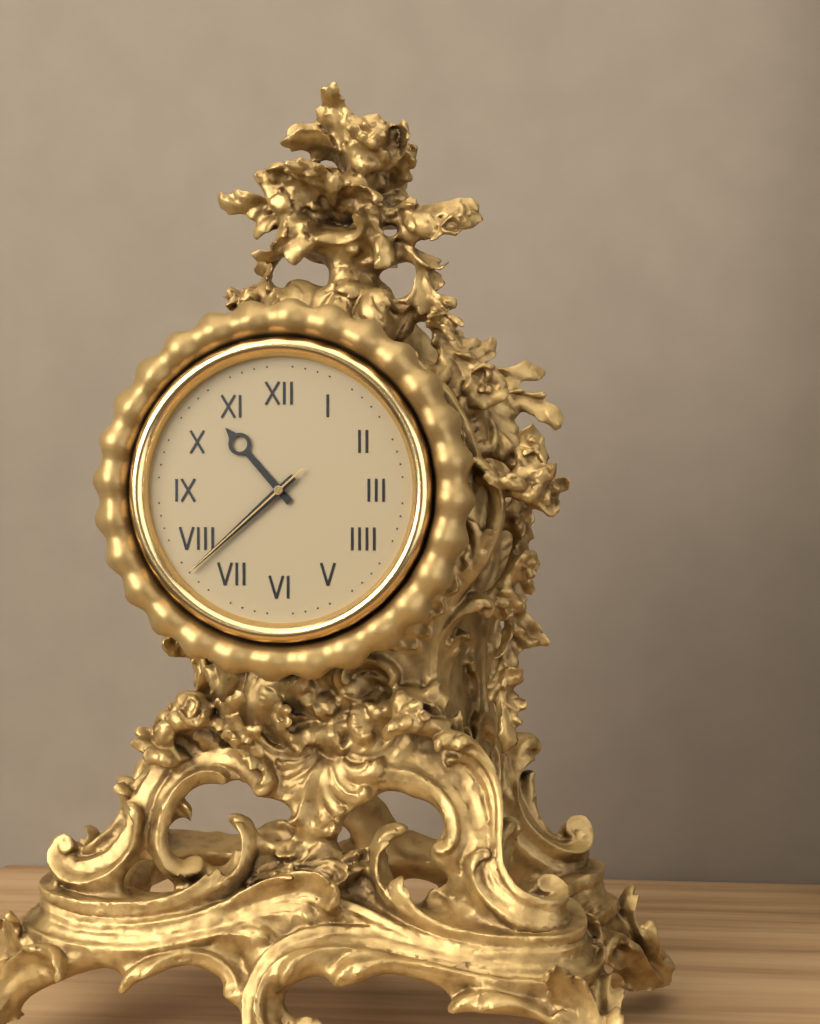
10:38:38
